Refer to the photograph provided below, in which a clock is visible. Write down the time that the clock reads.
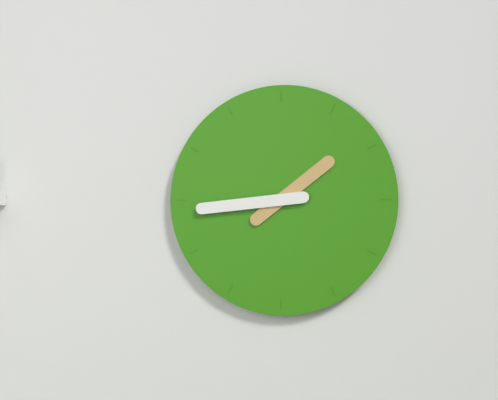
1:44
